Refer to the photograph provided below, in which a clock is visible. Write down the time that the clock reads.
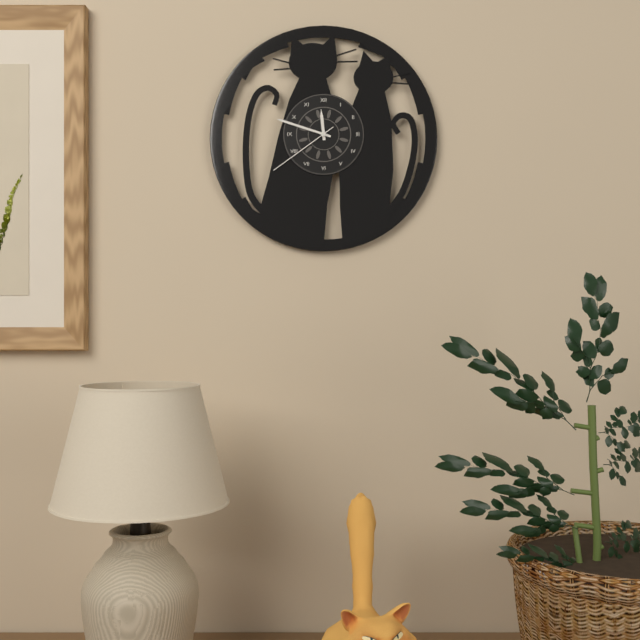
11:48:39
